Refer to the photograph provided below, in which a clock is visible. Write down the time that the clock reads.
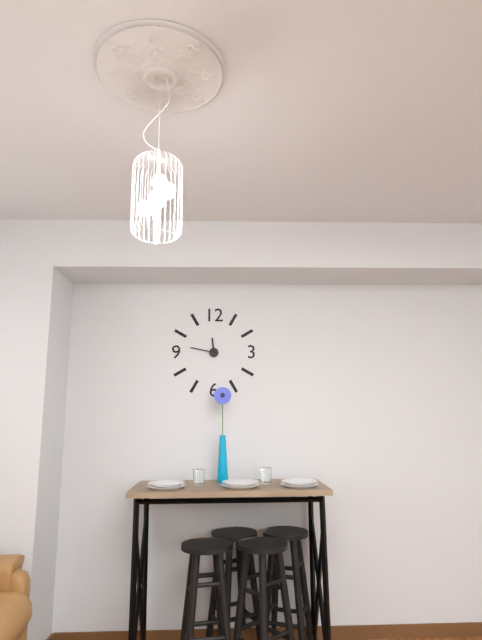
11:47
